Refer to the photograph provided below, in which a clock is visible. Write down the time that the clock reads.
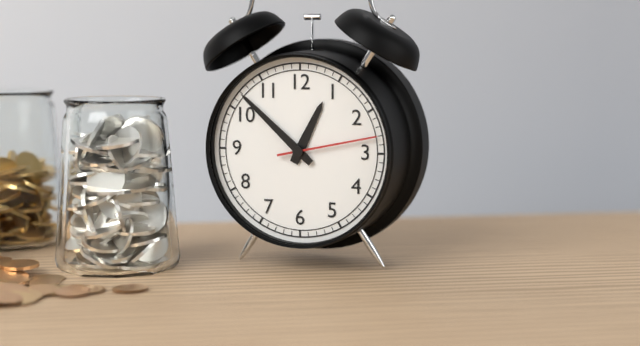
12:52:13
